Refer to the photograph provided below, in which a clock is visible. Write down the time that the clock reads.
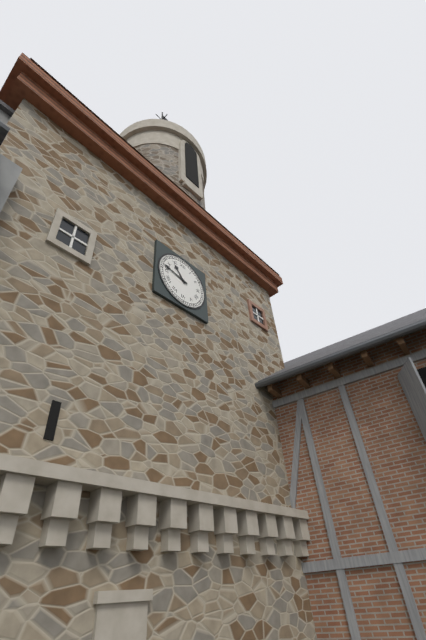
10:47
